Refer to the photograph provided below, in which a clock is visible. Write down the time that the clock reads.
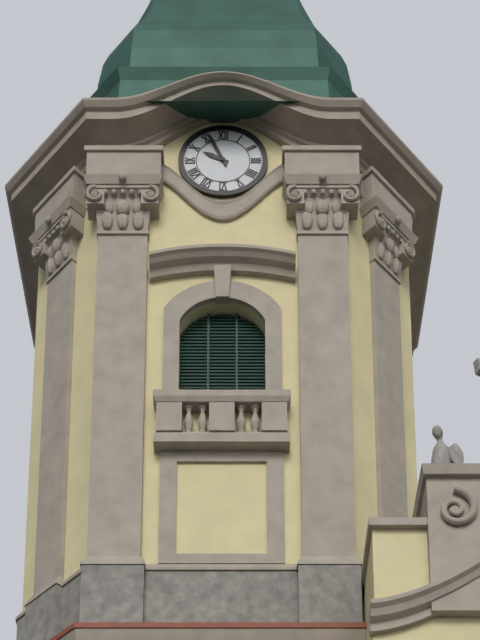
9:56
